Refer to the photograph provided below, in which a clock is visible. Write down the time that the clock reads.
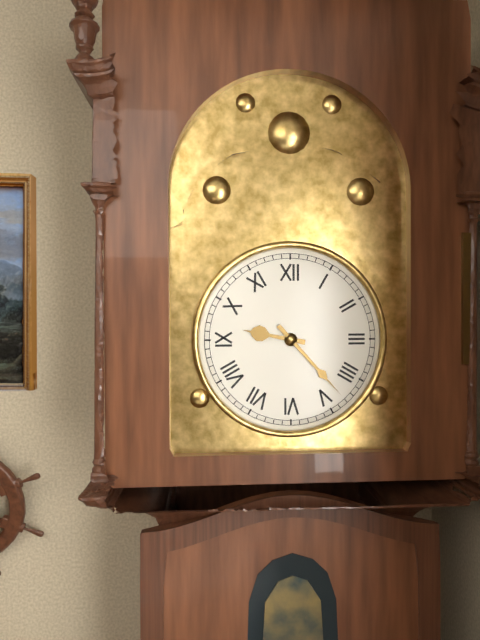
9:23
